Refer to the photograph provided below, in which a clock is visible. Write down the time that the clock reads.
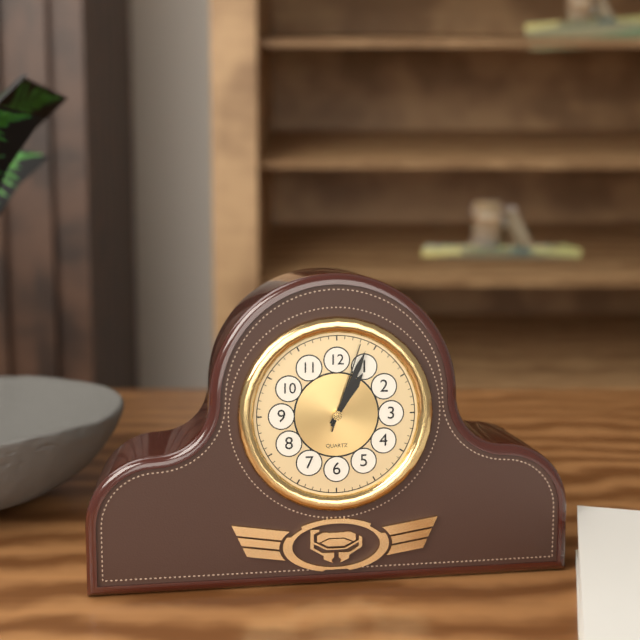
1:04:03
